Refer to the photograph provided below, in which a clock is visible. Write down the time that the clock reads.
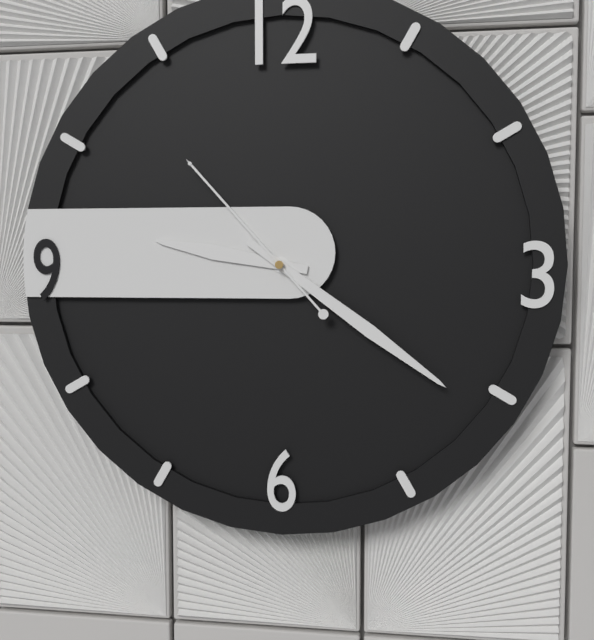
9:21:53
